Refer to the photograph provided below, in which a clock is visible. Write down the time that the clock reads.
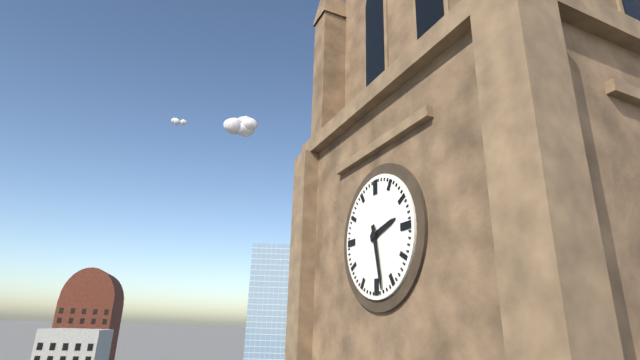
2:28
